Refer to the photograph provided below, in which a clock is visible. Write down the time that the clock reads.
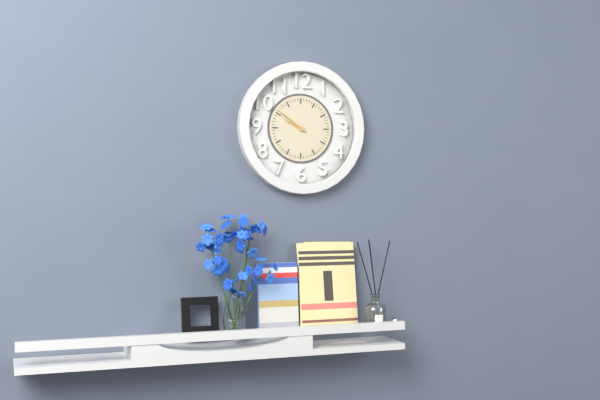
9:51
